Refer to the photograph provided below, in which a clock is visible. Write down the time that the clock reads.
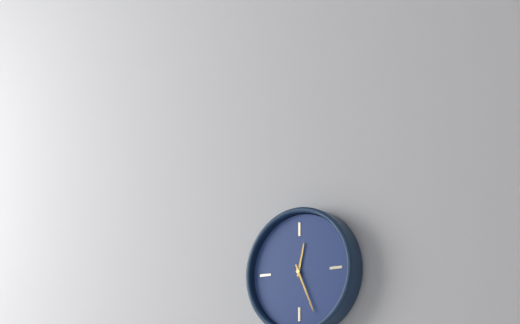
12:26
